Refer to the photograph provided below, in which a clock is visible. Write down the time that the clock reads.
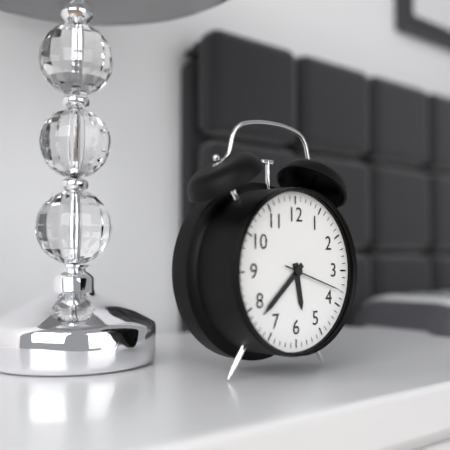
5:38:18
